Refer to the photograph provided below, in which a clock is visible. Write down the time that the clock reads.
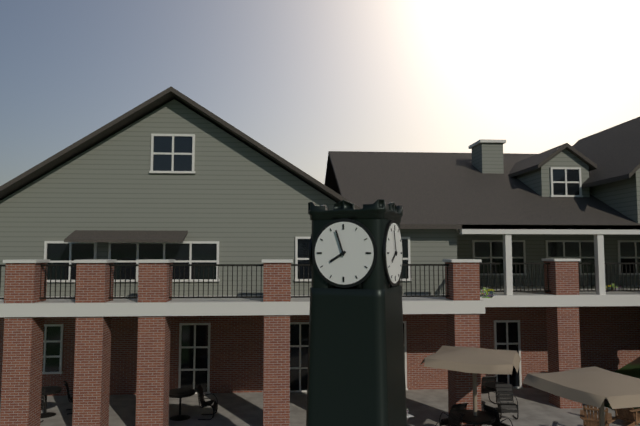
7:57
